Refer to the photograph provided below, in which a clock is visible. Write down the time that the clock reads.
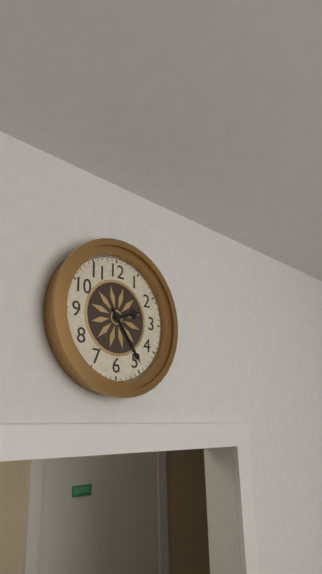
2:24
